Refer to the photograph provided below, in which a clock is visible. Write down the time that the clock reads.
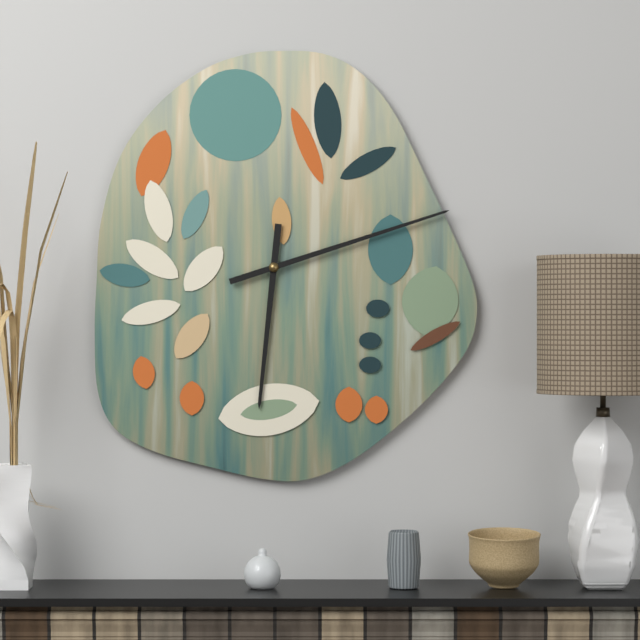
6:12
